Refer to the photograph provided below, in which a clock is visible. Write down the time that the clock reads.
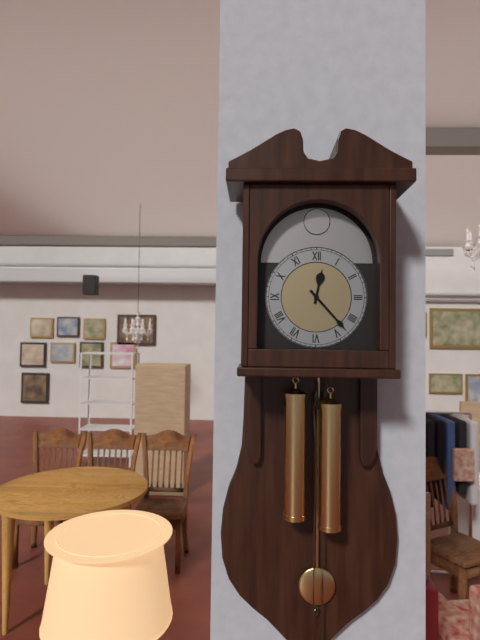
12:23
